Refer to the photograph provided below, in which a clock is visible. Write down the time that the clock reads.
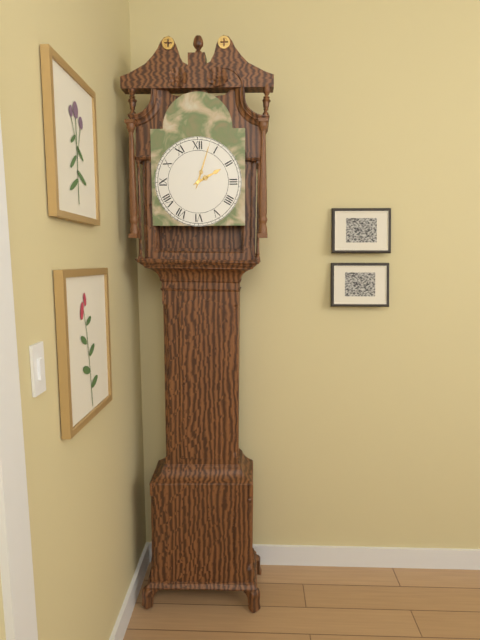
2:03
